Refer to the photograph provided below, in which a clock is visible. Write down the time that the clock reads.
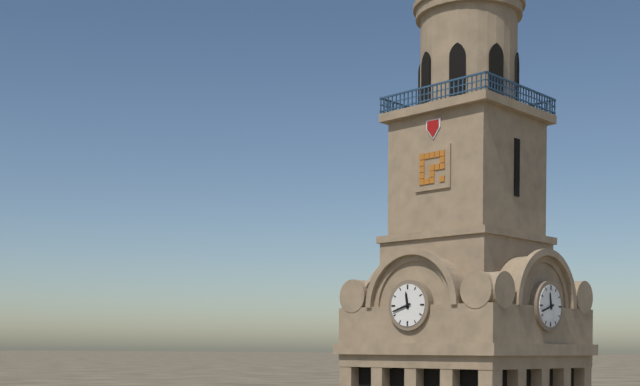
11:42
